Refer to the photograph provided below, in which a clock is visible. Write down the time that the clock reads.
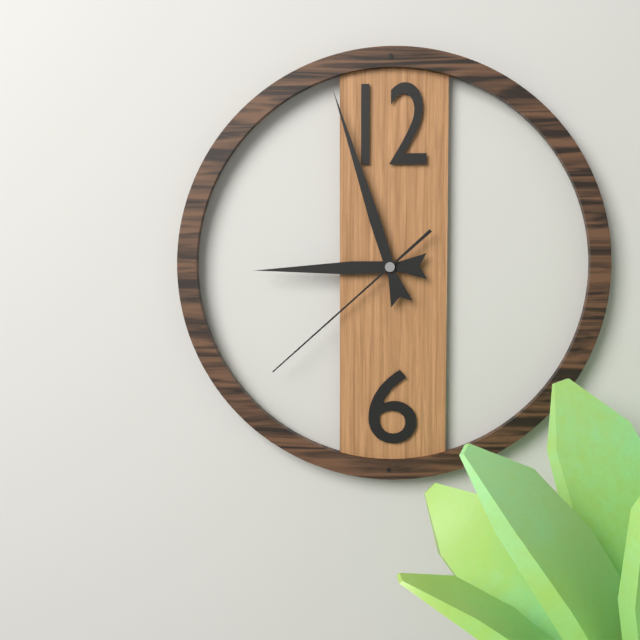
8:57:38
